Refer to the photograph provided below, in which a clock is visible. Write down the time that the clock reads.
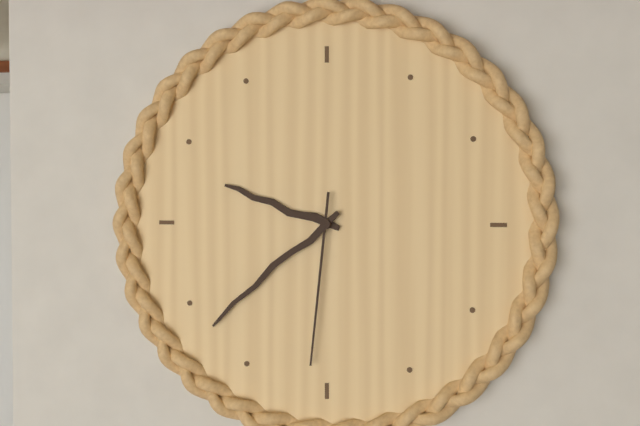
9:38:31
